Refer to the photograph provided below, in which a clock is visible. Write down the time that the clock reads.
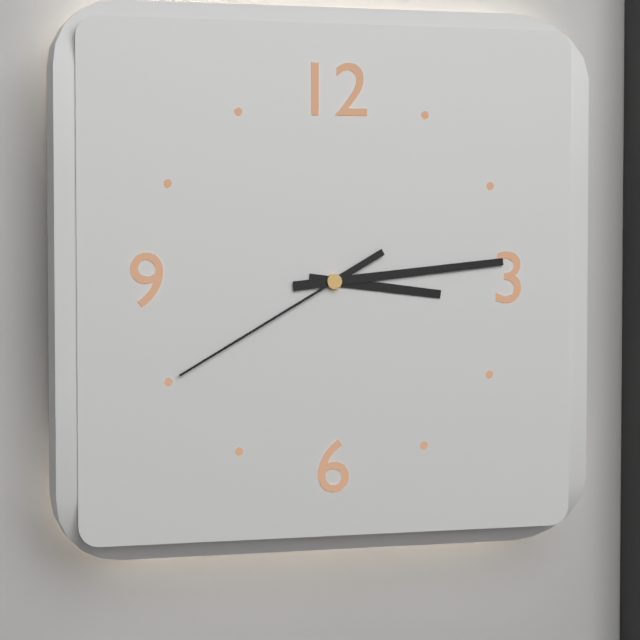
3:14:40
